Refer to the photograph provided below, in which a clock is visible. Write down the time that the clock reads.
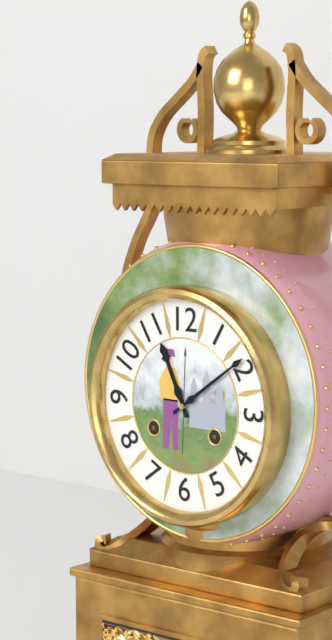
11:09
